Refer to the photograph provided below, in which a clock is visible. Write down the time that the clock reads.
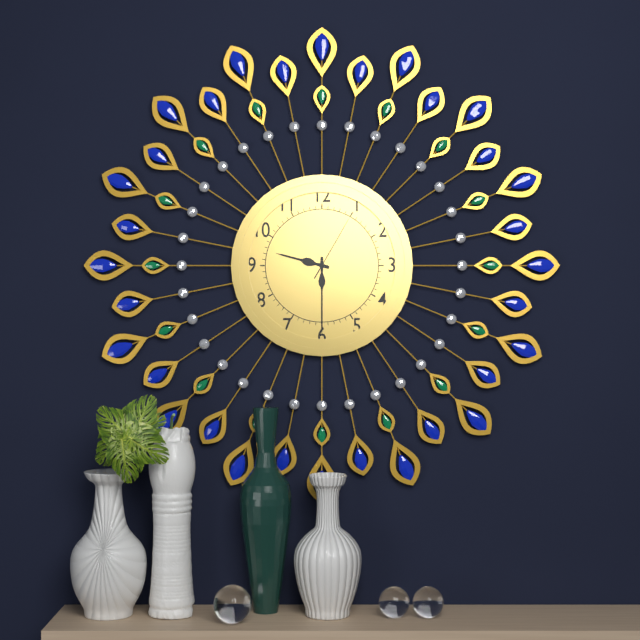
9:30:05
